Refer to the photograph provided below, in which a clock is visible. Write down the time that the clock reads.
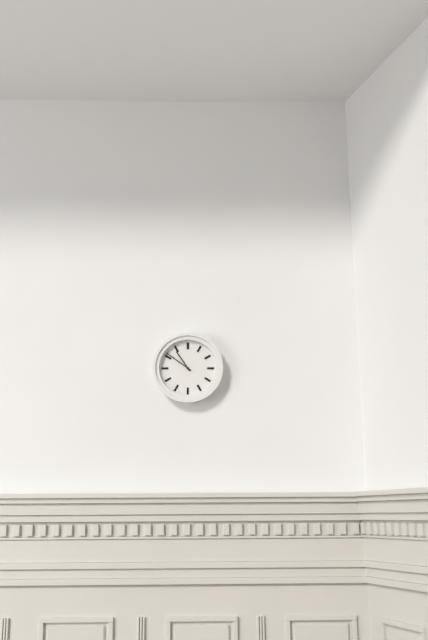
10:51
